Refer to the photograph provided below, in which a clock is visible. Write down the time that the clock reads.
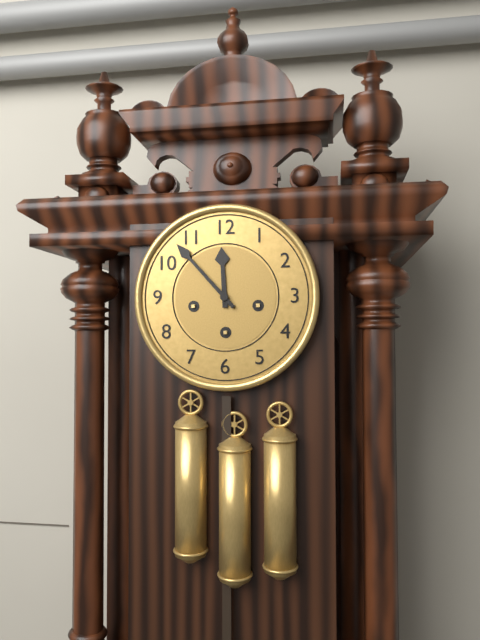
11:53
